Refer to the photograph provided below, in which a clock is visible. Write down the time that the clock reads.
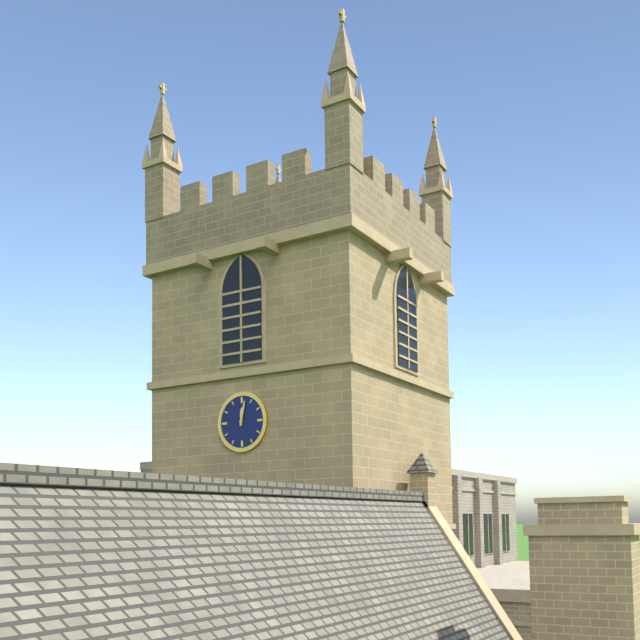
12:02
